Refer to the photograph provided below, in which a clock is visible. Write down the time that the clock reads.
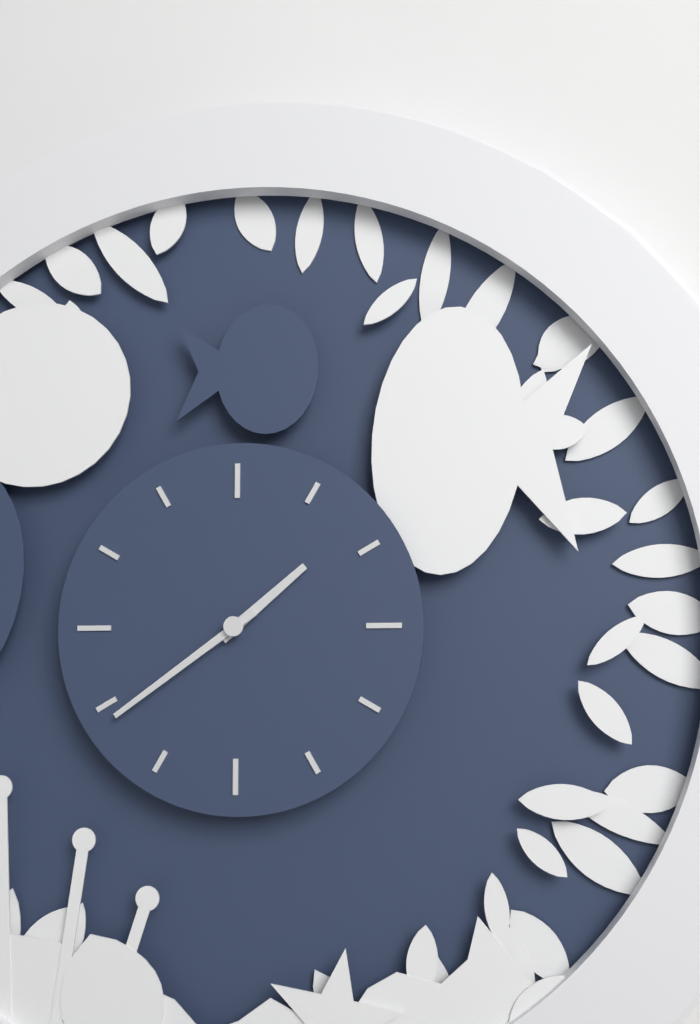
1:39
